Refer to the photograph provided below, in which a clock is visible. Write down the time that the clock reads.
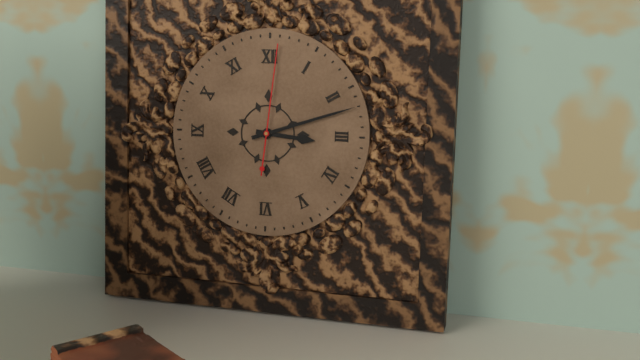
3:12:01
